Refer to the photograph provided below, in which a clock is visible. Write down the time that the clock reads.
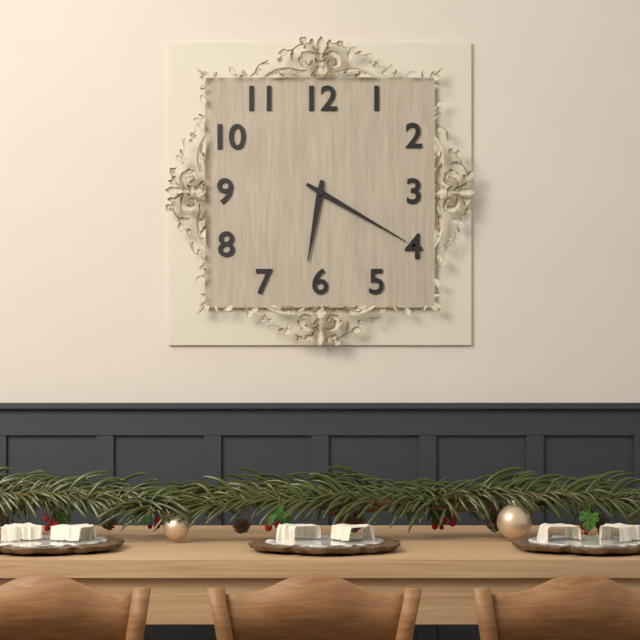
6:20
